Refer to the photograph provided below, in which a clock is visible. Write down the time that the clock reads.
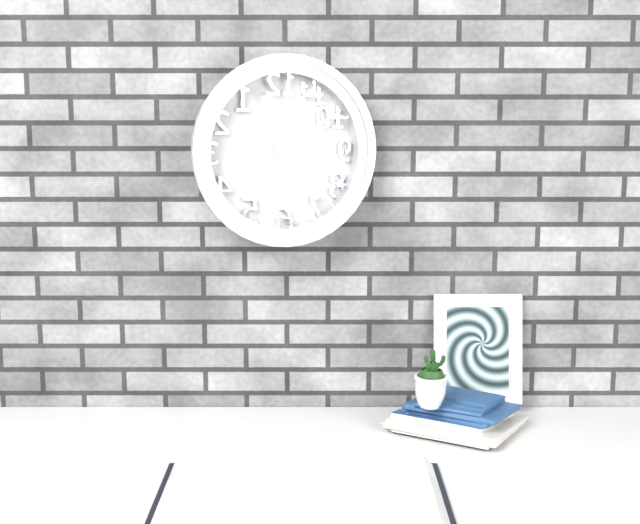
11:23
